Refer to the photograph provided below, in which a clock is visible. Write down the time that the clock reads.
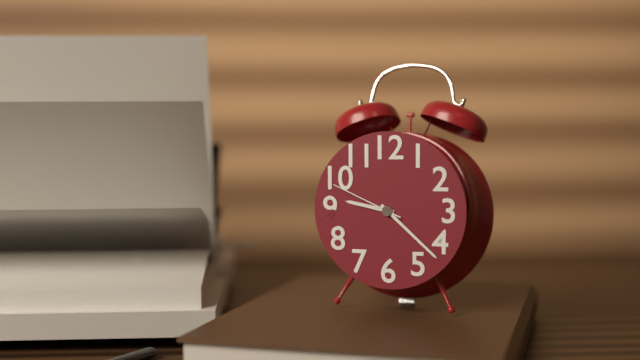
9:22:49
